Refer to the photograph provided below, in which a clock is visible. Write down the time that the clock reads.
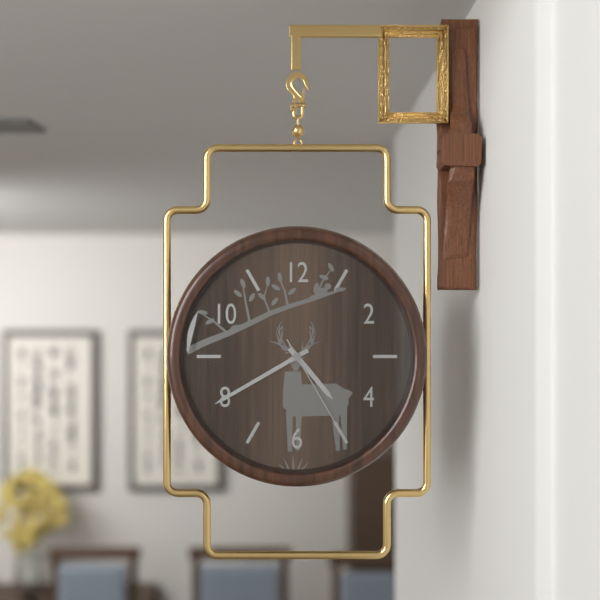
4:40:25
